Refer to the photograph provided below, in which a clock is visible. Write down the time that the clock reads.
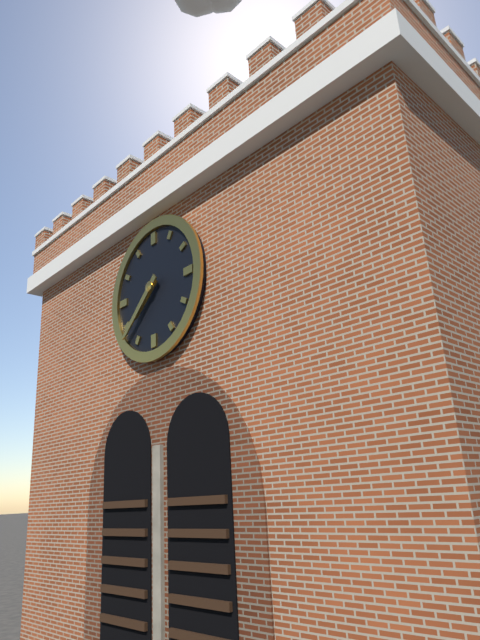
7:38
